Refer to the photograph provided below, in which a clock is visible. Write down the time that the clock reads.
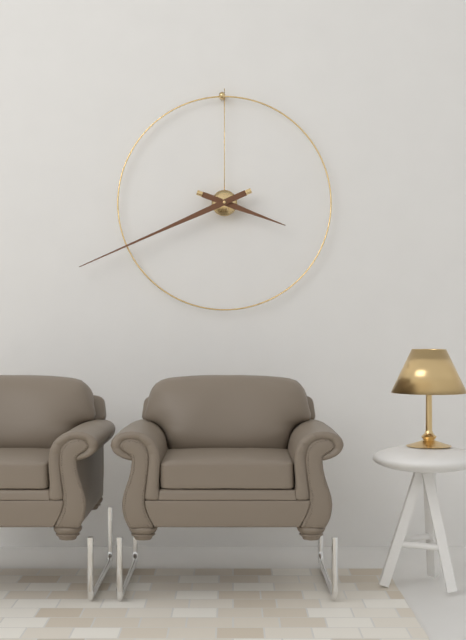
3:41
